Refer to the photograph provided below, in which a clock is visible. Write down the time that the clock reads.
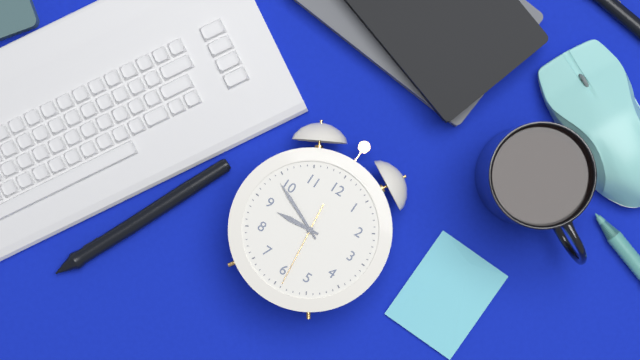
8:49:29
